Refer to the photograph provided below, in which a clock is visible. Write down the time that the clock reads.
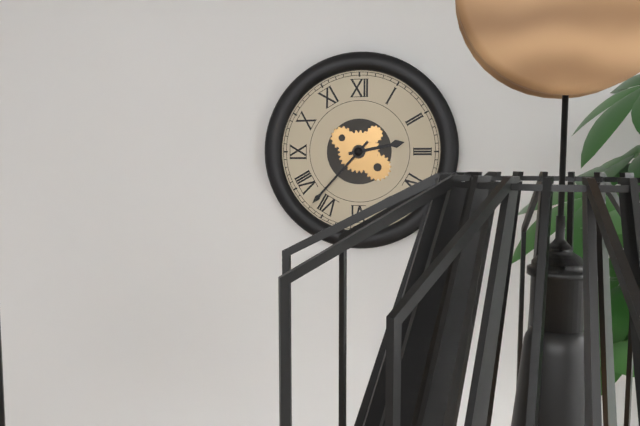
2:37
